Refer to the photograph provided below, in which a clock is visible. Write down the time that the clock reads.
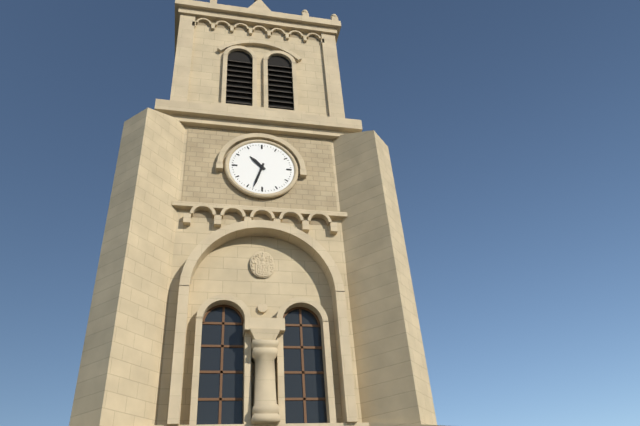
10:33
